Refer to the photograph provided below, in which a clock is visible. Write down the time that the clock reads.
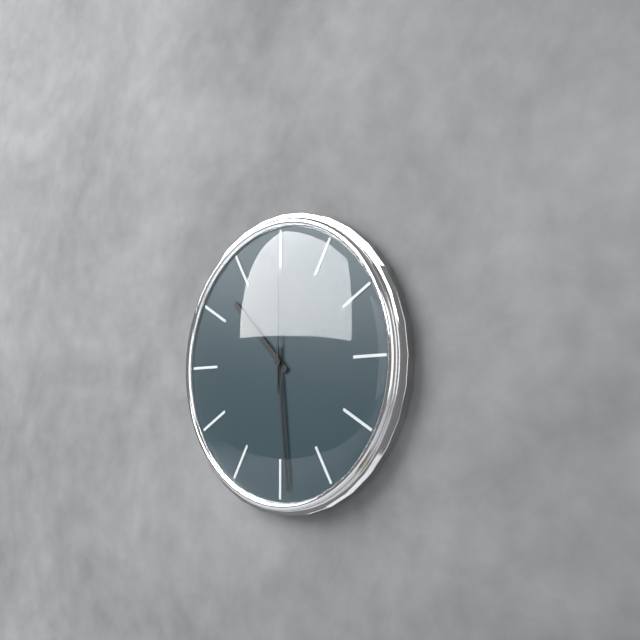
10:29:00
